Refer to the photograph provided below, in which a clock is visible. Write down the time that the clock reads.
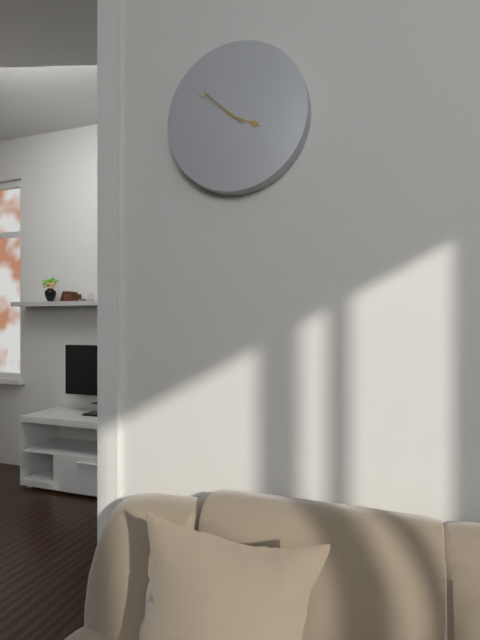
3:52:51
